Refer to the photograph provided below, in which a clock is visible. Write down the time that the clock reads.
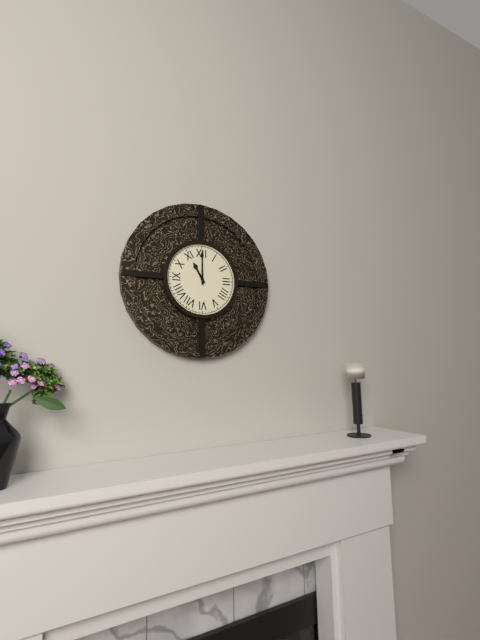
11:00
